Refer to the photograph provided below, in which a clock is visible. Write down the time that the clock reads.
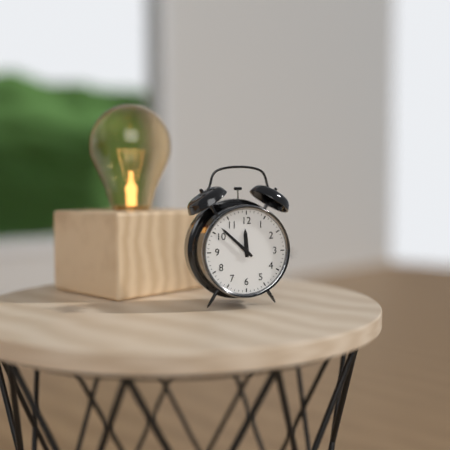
11:52
